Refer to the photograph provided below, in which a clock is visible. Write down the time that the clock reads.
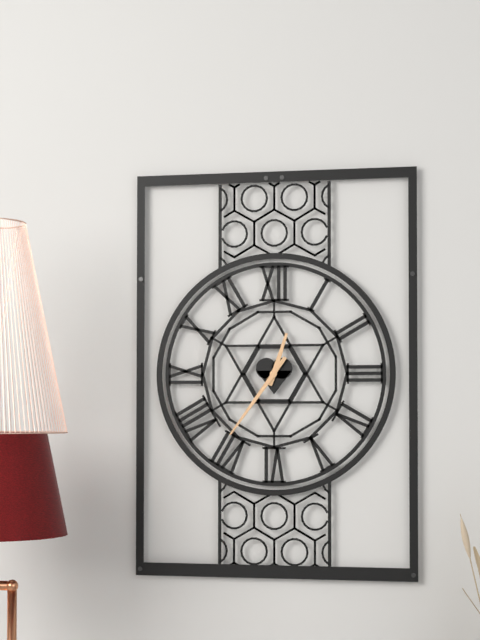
12:36
